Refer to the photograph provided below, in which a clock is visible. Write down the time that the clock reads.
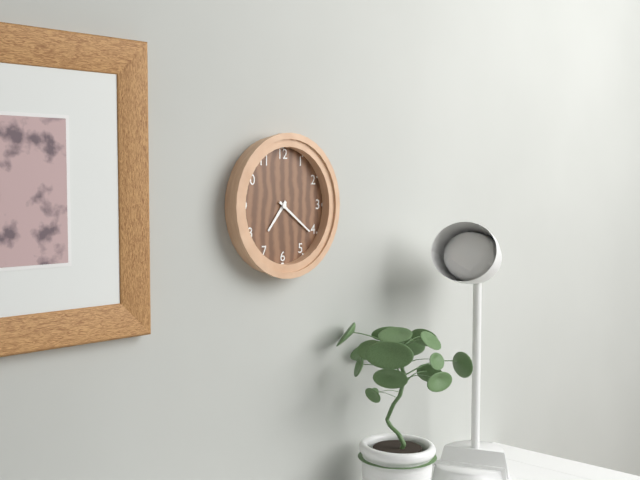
7:21
